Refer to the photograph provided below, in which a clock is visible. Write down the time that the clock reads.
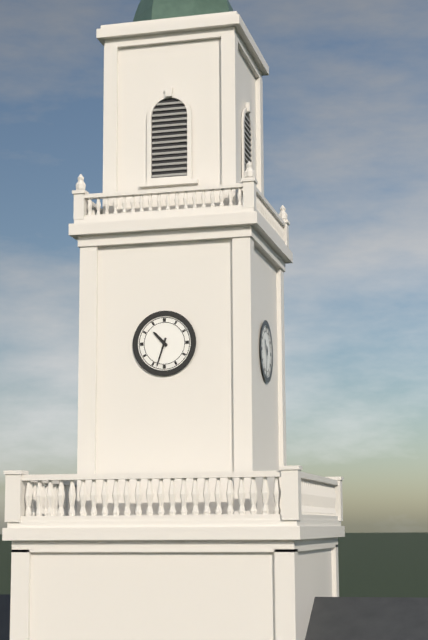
10:33
